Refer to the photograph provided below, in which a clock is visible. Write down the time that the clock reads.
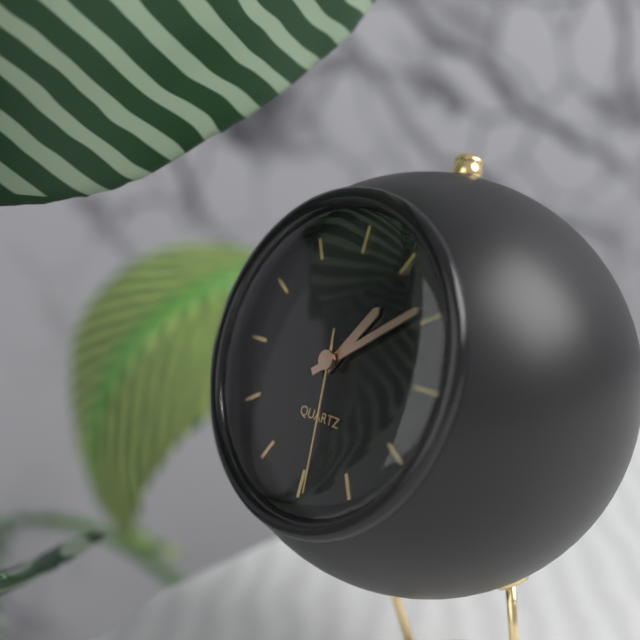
1:09:29
